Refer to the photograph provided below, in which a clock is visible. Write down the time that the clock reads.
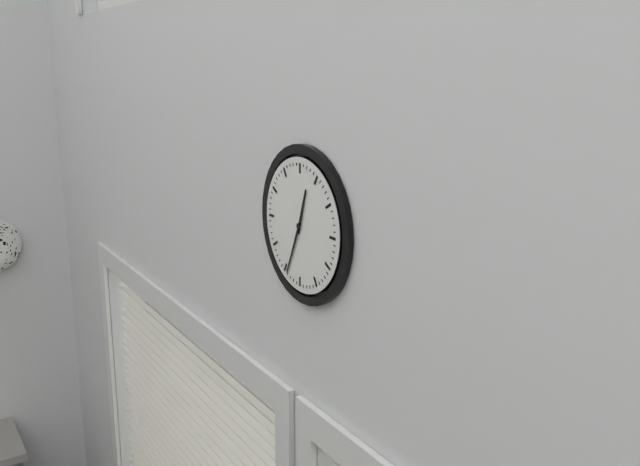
12:34
